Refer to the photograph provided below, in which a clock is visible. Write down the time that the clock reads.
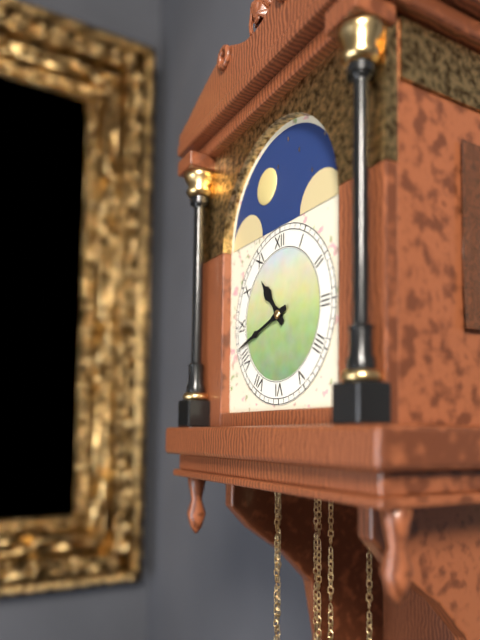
10:42
